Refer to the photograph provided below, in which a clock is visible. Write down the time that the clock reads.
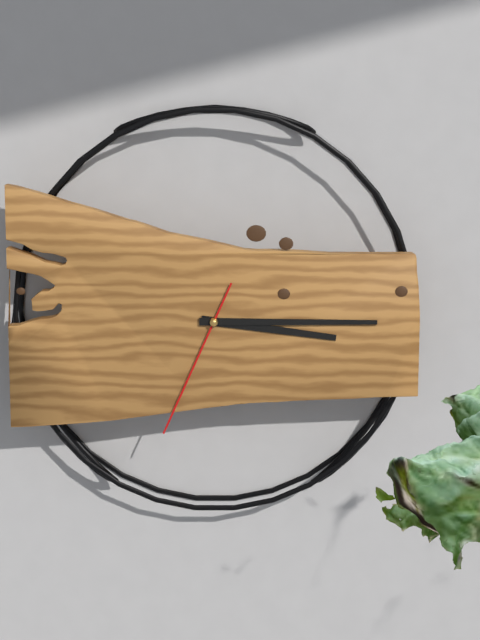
3:15:34
